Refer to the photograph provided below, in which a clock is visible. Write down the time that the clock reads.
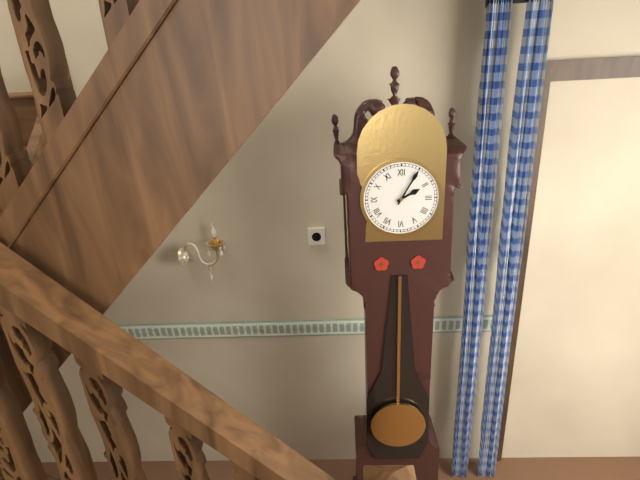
2:05
